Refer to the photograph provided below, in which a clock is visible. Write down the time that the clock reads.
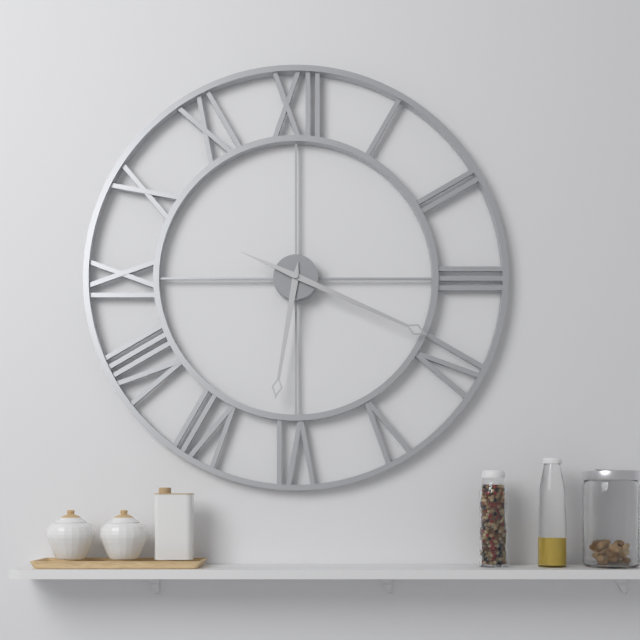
6:19
